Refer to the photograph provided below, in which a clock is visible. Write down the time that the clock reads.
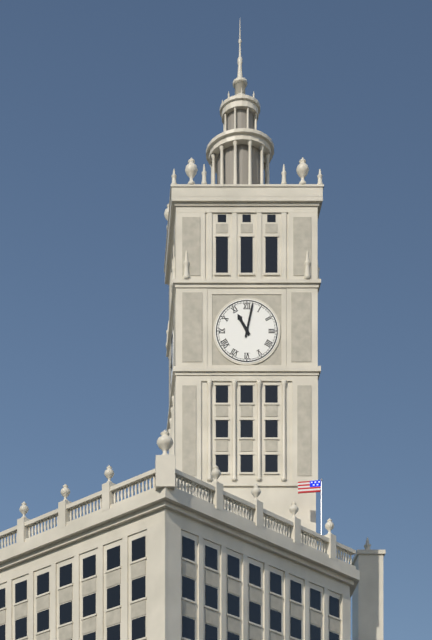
11:02
